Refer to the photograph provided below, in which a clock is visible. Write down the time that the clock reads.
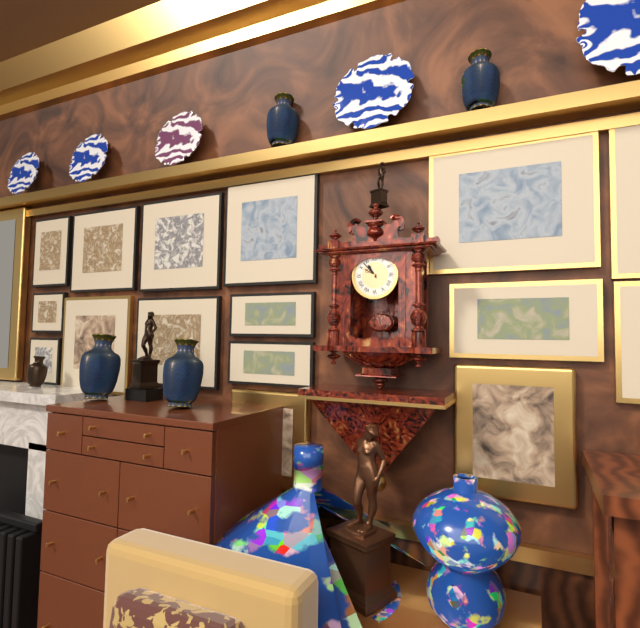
10:53
